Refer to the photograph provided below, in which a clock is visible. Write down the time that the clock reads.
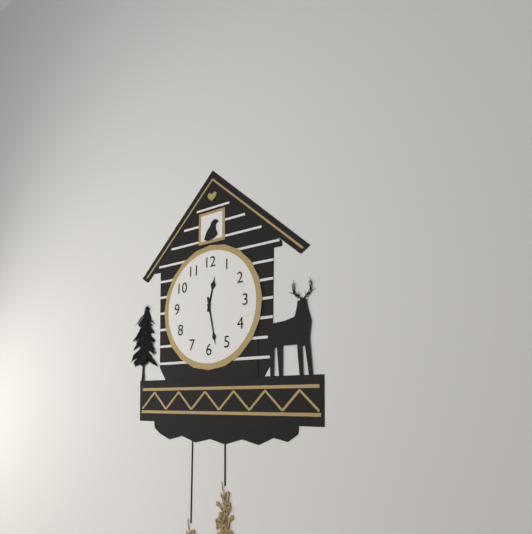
12:28
